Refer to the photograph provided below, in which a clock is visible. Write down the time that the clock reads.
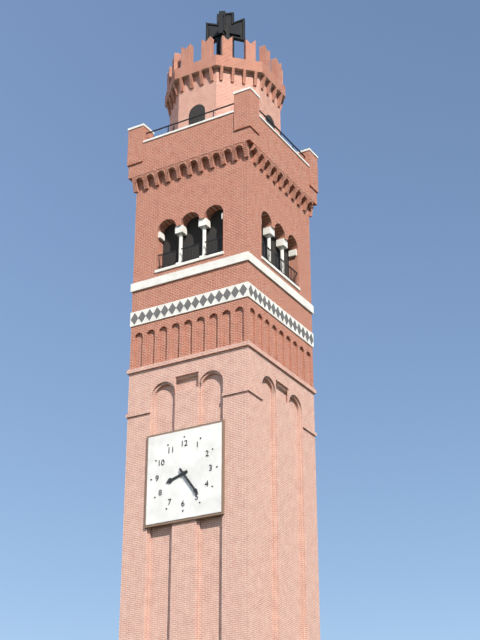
8:24
